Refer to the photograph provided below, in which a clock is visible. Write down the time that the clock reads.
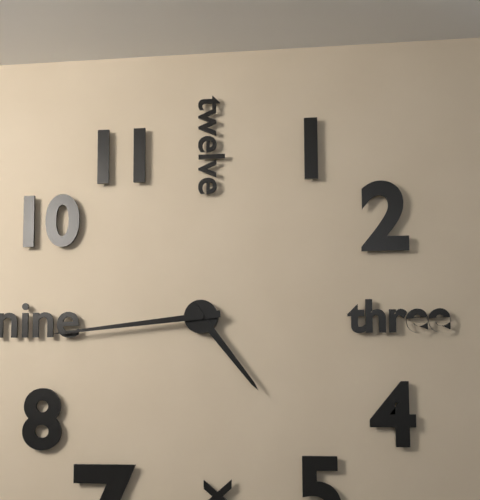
4:44
